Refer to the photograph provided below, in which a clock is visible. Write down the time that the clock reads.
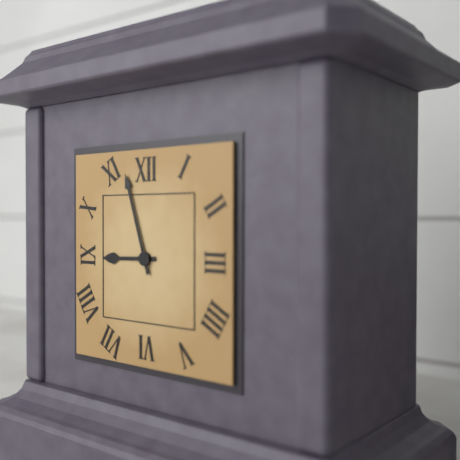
8:57
